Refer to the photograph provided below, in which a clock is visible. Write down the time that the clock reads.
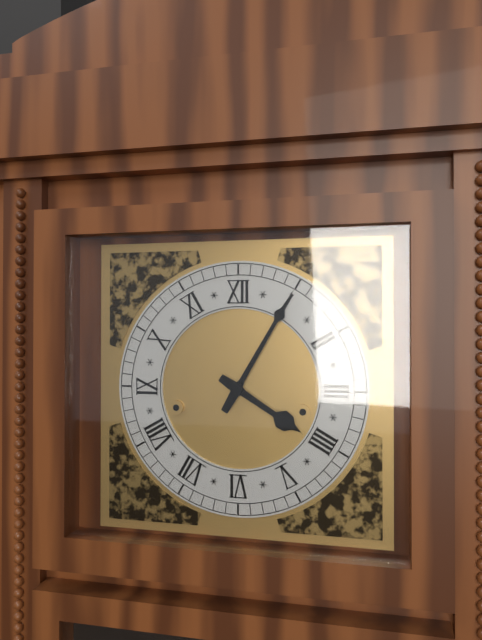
4:05
